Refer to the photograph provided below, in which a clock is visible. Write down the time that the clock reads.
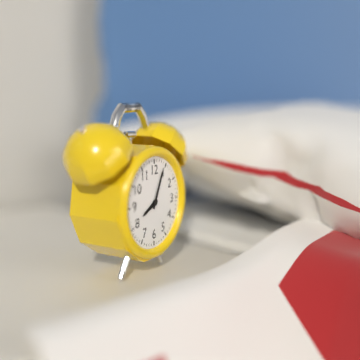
8:04
